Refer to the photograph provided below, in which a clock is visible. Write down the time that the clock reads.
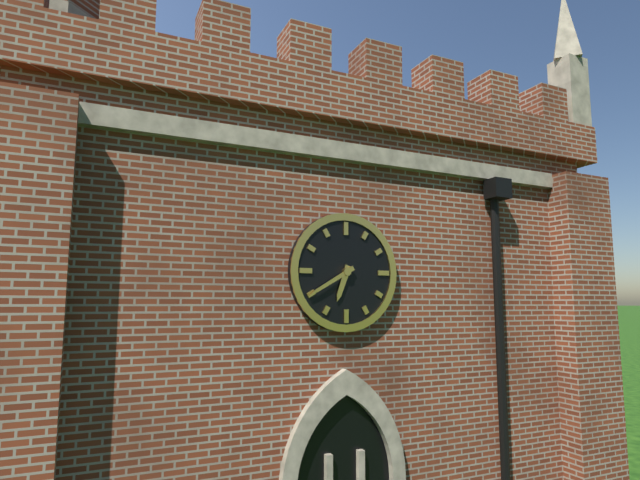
6:40
